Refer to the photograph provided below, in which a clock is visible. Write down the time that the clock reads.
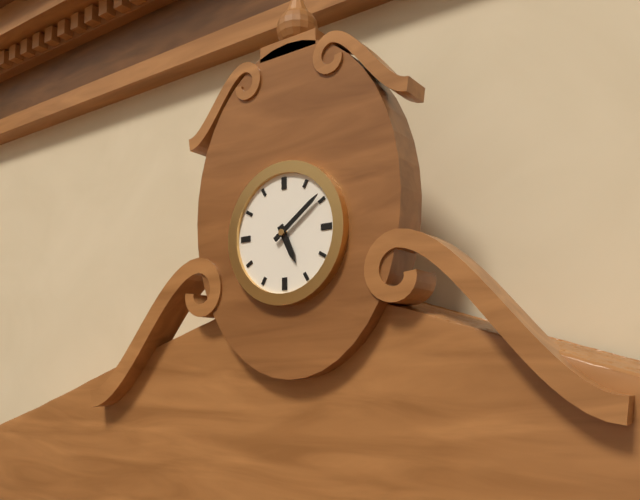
5:09
